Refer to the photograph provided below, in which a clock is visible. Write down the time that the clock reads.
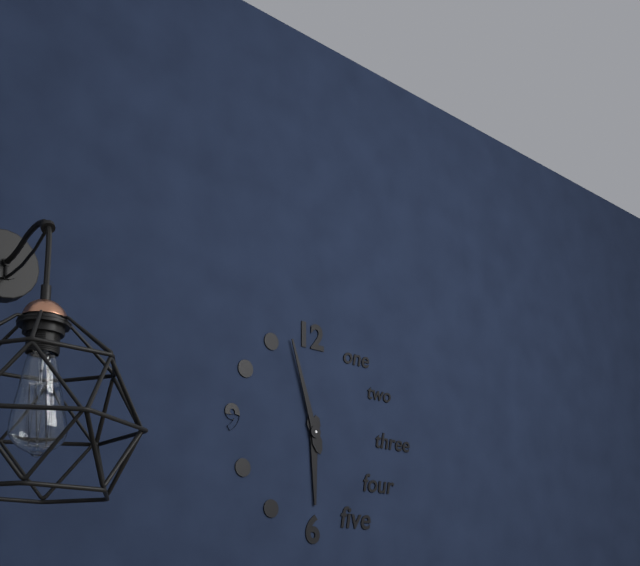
5:57
